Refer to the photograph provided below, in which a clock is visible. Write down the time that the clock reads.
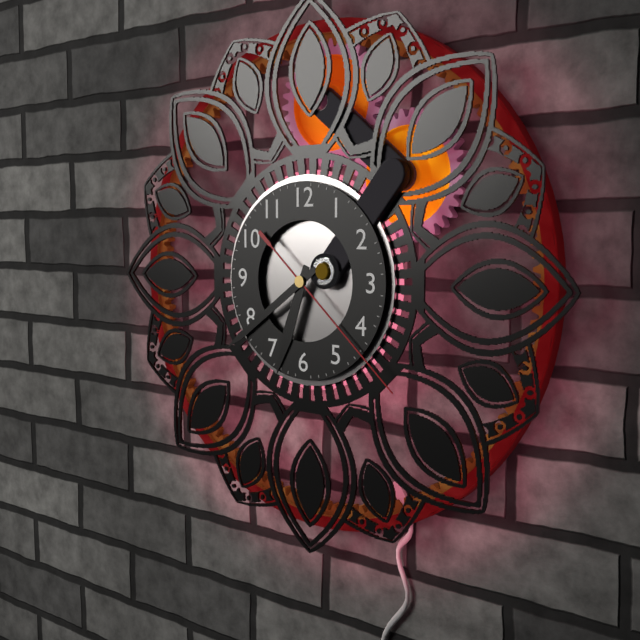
6:39:22
